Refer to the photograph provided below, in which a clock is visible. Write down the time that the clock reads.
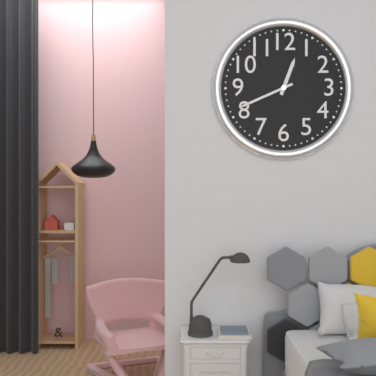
12:41
